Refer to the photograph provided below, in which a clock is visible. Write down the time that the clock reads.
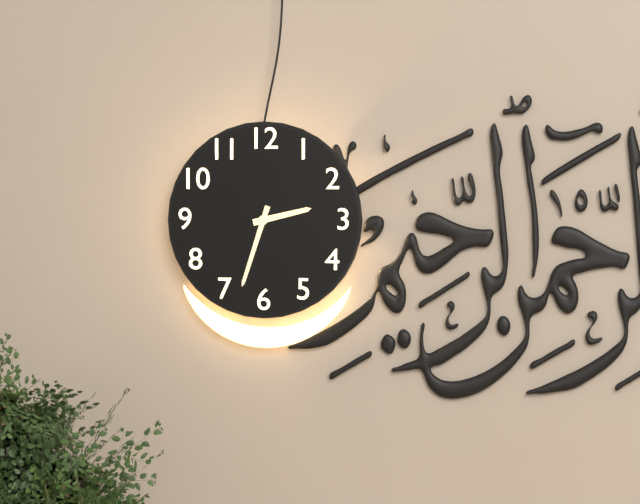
2:33
